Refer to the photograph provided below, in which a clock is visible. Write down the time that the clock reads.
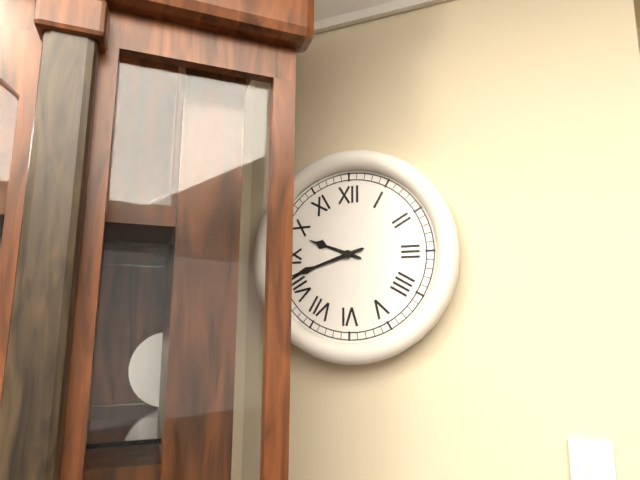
9:42
